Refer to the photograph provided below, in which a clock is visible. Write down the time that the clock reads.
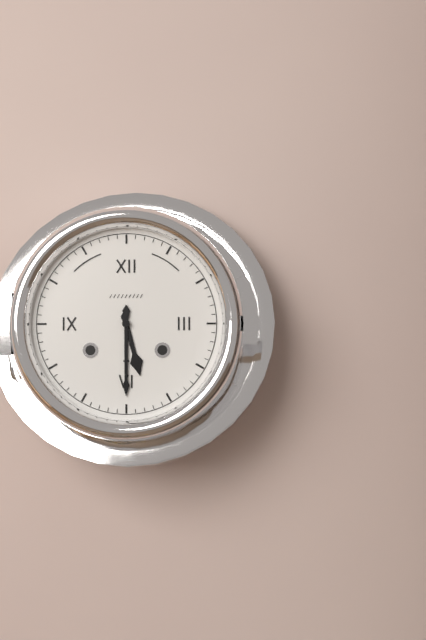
5:30
